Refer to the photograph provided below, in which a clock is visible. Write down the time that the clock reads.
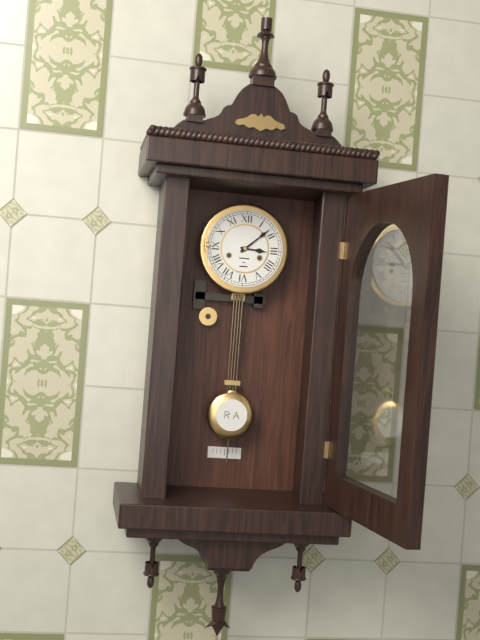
3:08
